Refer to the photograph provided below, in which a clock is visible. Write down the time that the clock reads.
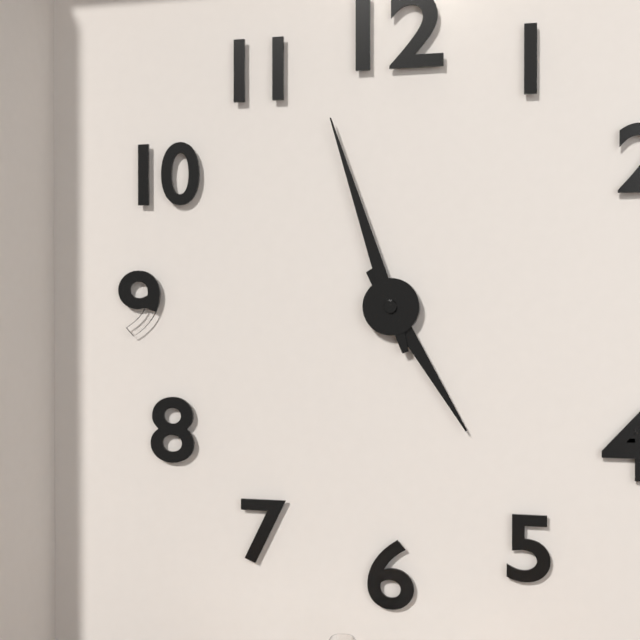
4:57
